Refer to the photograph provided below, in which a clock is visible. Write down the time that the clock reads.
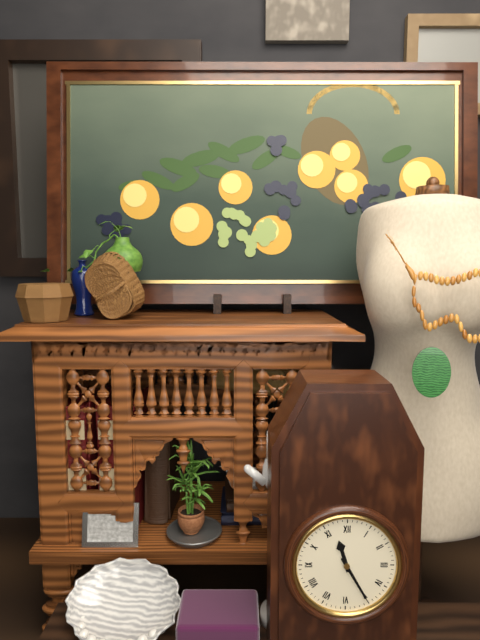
11:25
